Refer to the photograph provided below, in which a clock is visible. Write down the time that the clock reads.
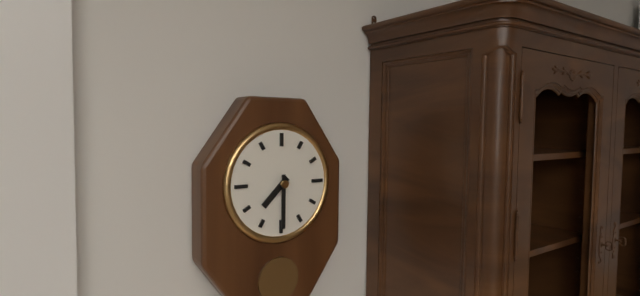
7:30
